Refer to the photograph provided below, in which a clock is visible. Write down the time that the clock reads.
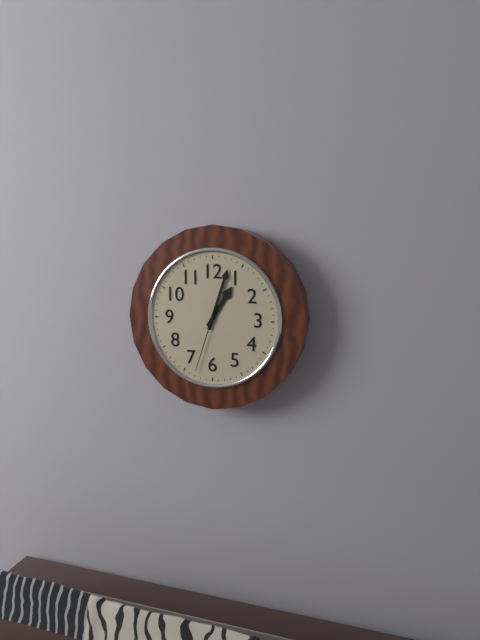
1:03:33
